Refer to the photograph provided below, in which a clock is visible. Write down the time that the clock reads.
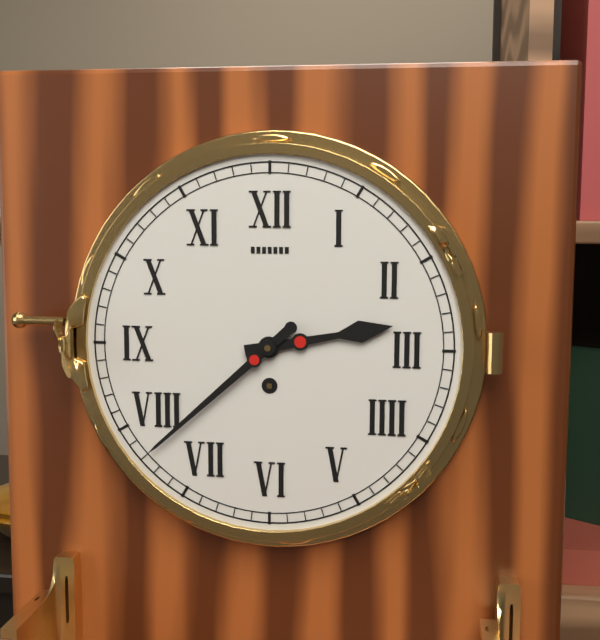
2:38
